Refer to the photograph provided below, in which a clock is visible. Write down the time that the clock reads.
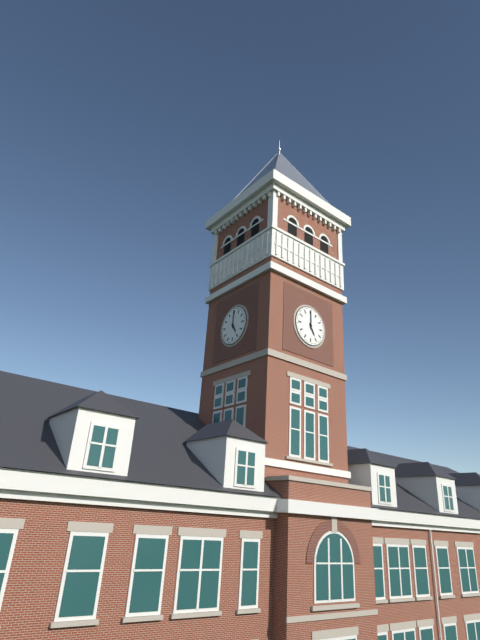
5:00
